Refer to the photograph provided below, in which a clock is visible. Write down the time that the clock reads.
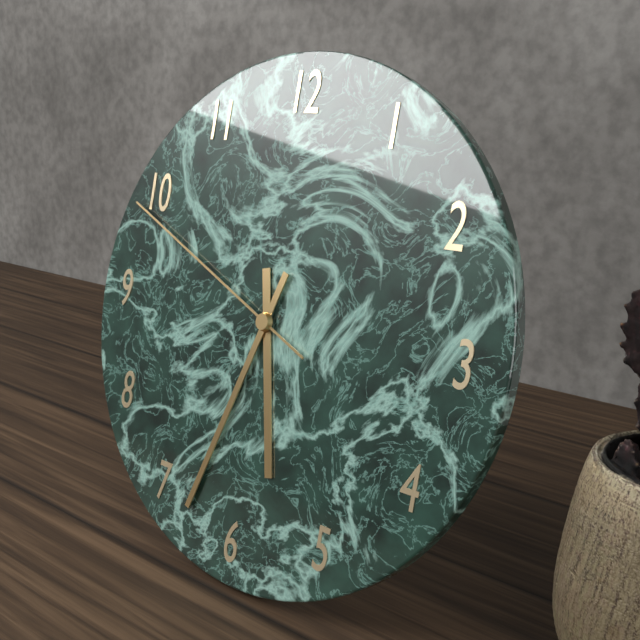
5:33:49
